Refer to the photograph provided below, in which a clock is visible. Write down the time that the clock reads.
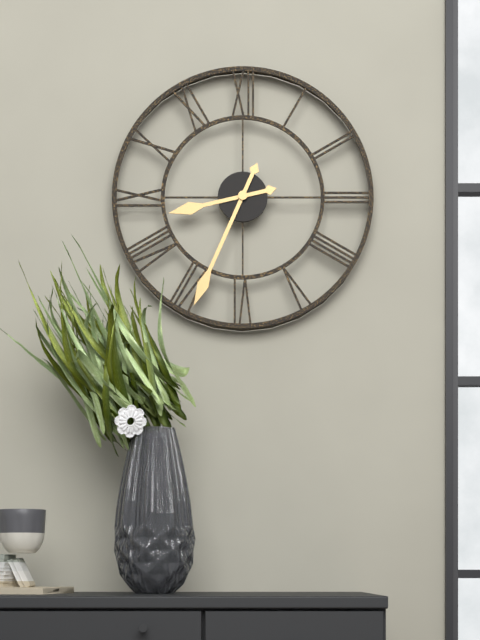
8:34
